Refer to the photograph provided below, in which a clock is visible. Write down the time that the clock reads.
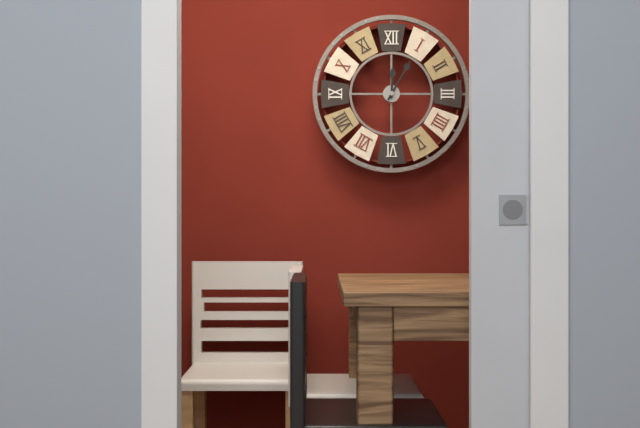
12:05
